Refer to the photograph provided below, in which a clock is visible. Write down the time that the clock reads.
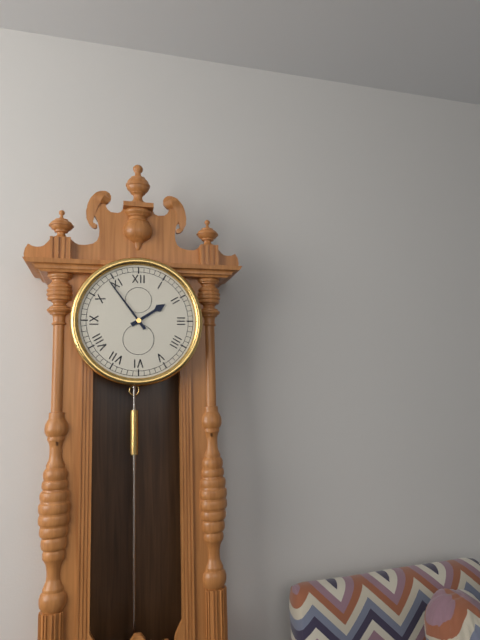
1:54
